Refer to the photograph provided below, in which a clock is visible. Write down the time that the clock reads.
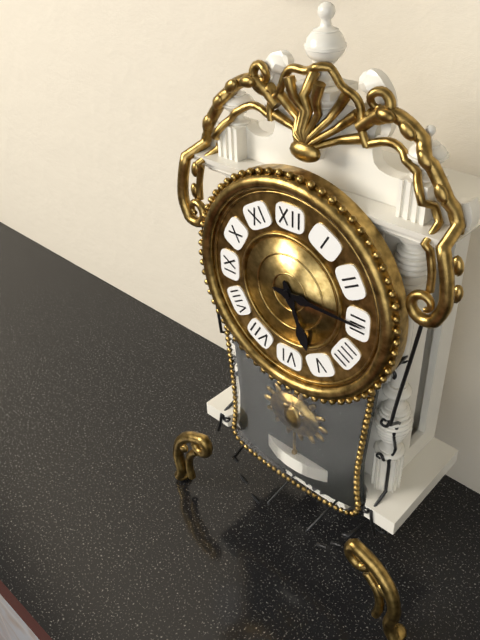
5:15
